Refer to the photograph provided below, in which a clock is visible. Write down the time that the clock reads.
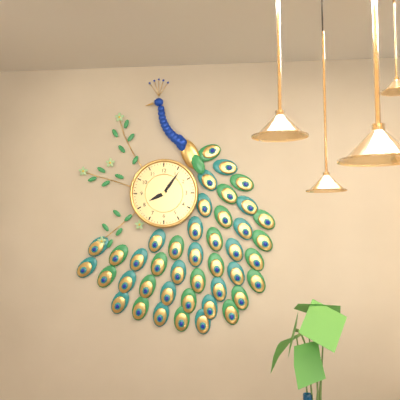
8:06
